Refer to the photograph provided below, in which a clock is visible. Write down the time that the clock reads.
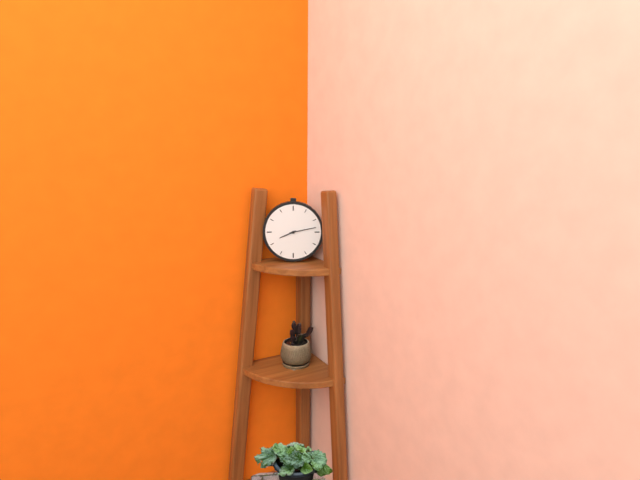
8:13
